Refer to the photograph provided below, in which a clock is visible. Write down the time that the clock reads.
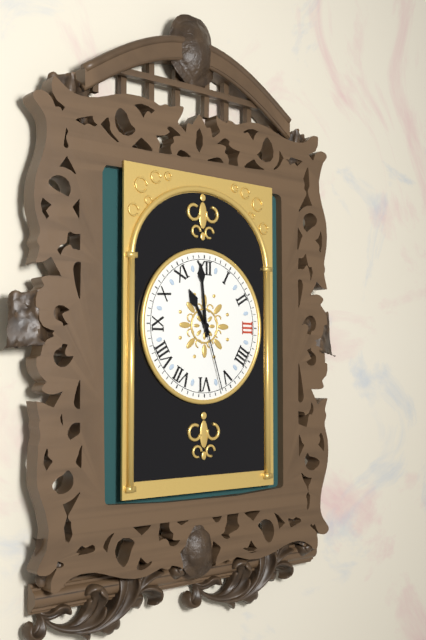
10:59:27
